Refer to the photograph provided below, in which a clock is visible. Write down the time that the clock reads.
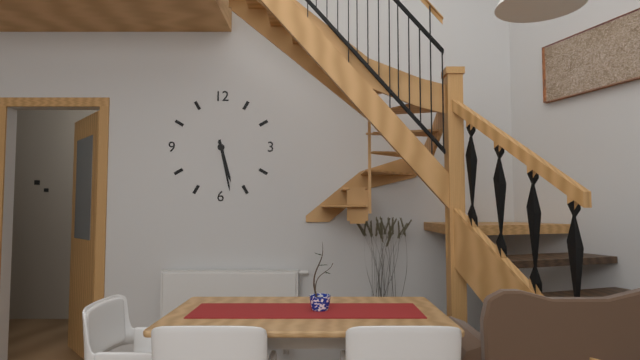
5:28
